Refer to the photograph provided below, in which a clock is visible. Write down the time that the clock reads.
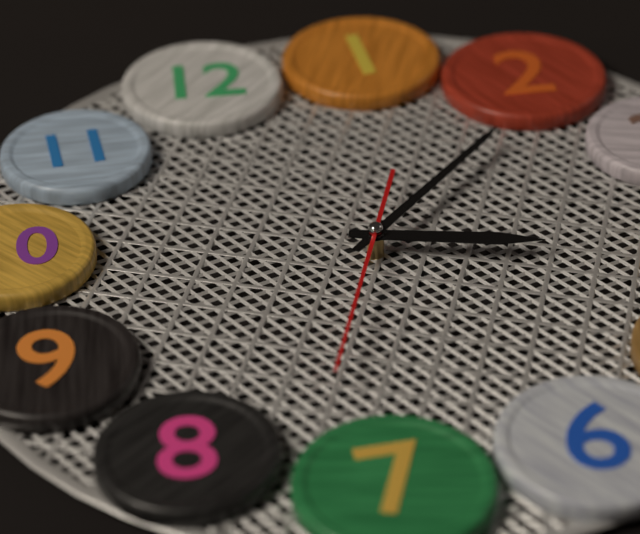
4:11:37
